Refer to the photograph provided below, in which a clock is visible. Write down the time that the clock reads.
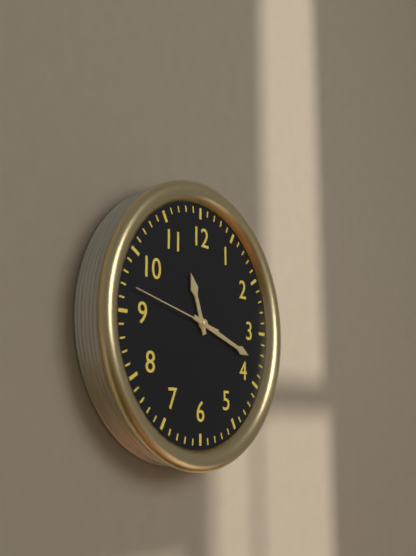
11:18:47
